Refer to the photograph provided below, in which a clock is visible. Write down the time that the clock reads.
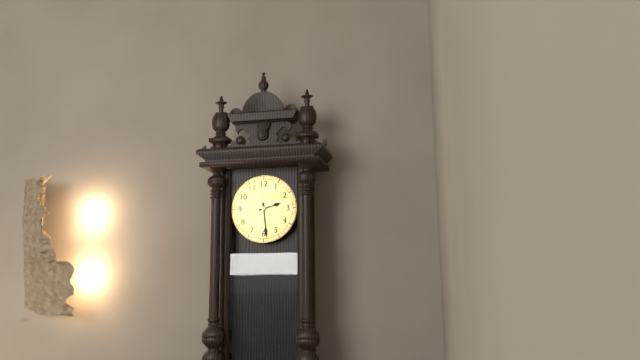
2:29
